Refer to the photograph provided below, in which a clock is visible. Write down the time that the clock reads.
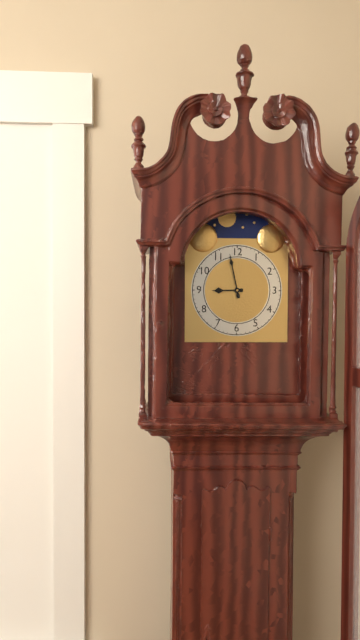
8:58
